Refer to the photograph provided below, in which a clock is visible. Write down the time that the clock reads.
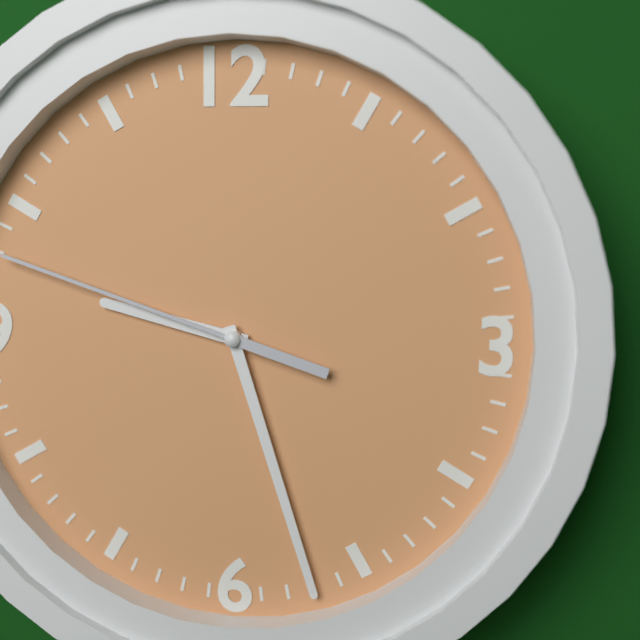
9:27:48
